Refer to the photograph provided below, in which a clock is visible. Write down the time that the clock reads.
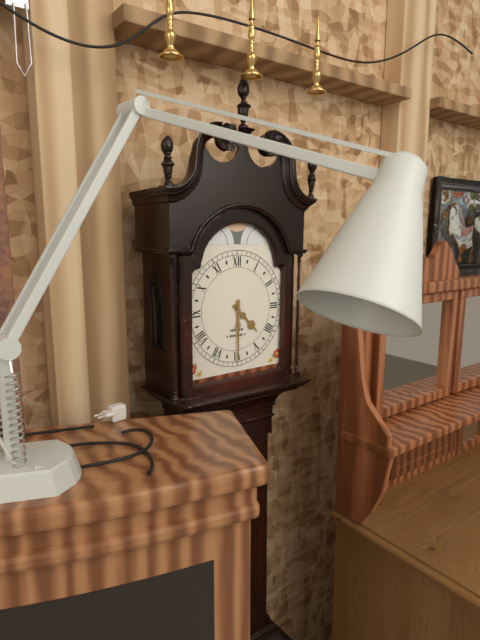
4:30
